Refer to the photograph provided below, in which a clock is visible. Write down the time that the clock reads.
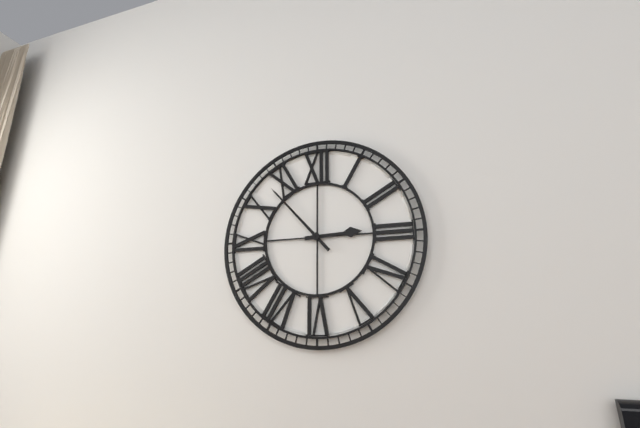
2:53
